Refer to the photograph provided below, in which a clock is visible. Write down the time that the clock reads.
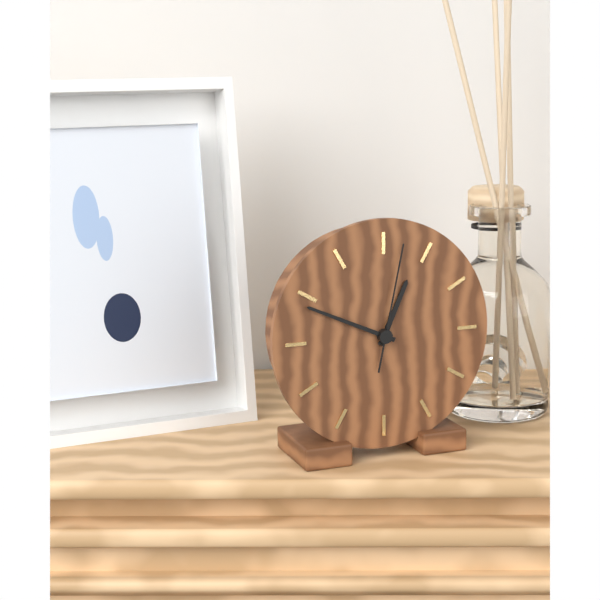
12:49:02
